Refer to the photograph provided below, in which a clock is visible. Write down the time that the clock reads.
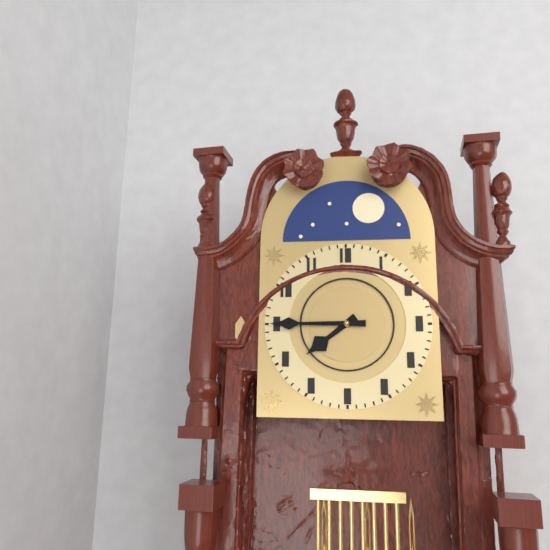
7:45
